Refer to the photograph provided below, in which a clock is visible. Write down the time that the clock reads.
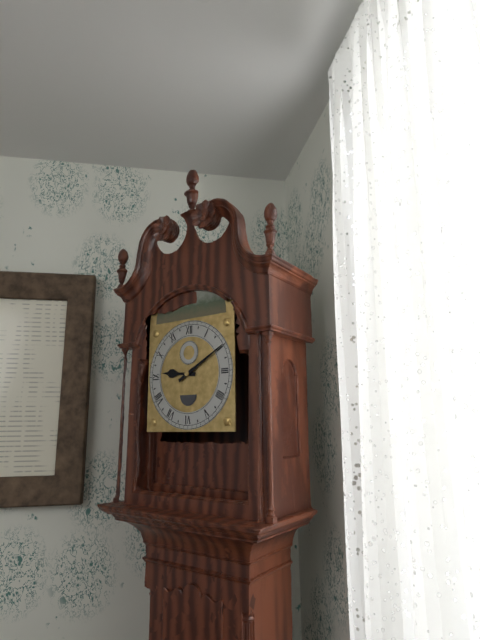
9:10
